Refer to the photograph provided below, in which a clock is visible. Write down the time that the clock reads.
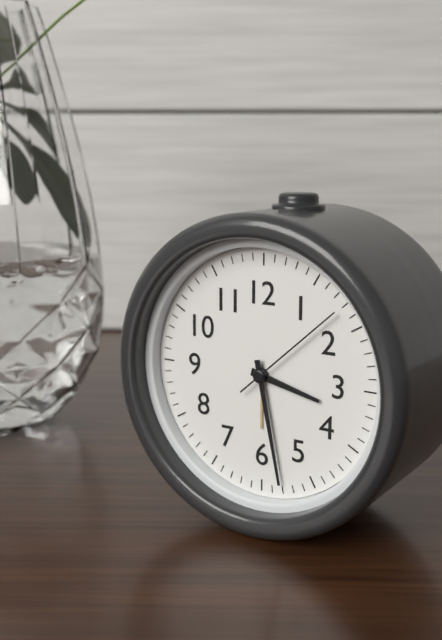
3:28:08
